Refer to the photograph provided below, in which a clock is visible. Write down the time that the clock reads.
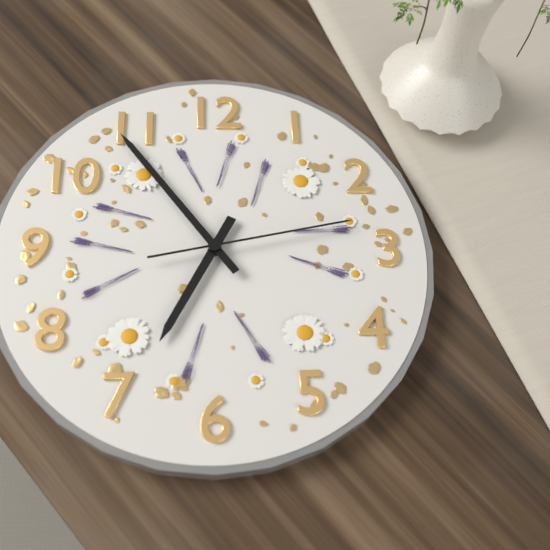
6:54:13
